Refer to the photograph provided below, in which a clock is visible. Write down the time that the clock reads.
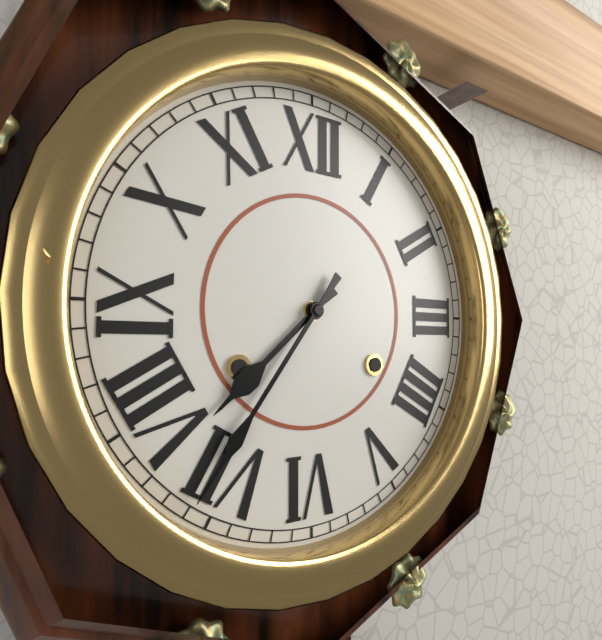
7:36
